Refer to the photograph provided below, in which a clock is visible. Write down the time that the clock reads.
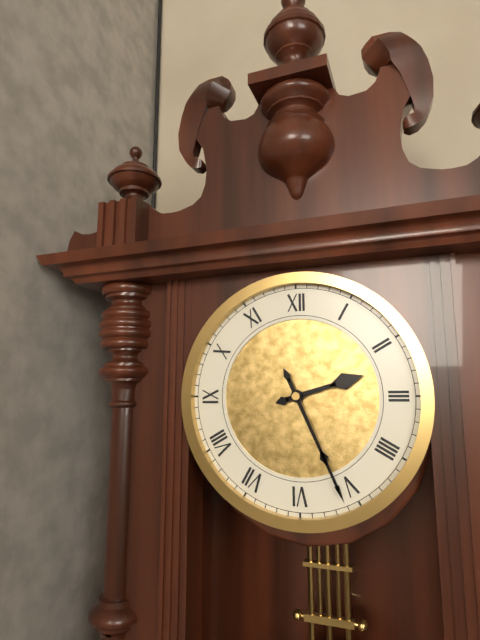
2:26
